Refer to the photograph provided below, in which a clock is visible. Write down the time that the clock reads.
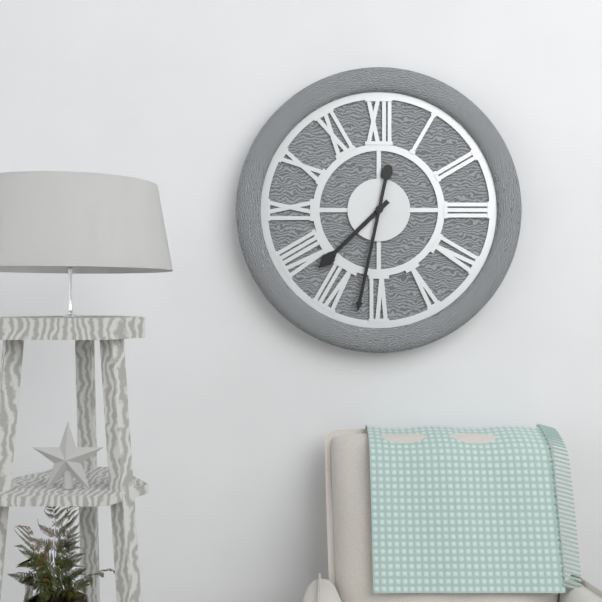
7:32
